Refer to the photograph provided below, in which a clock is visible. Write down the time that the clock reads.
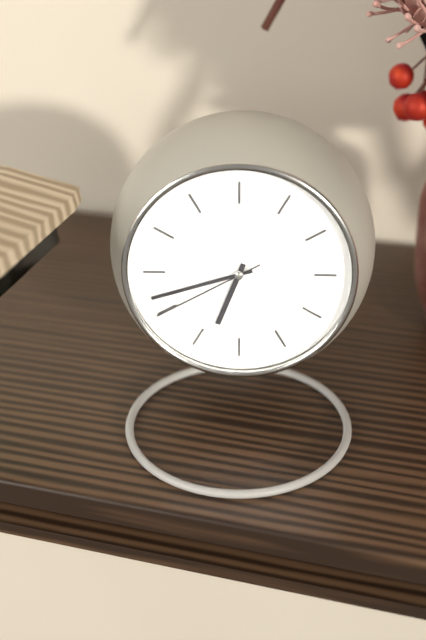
6:42:40
